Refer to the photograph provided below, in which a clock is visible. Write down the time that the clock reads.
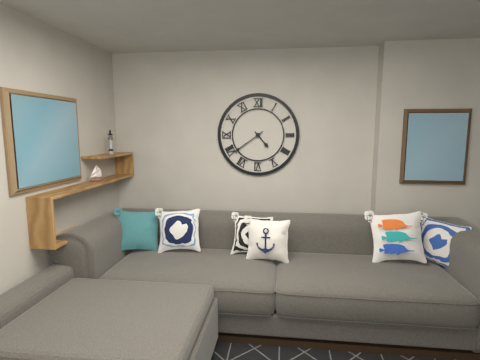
4:39
